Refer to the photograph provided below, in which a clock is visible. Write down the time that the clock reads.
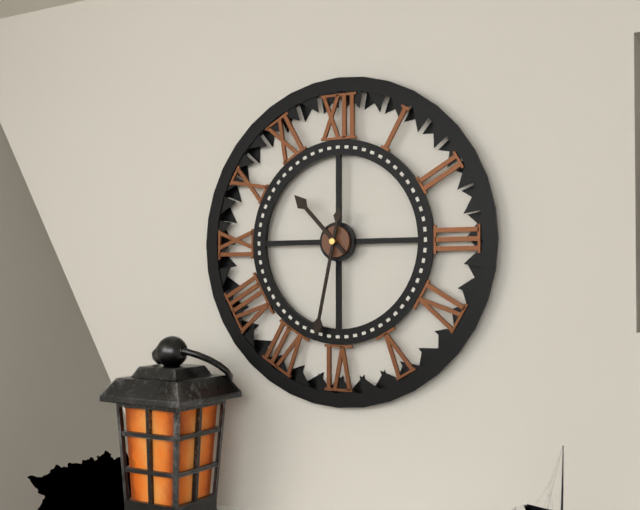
10:32
